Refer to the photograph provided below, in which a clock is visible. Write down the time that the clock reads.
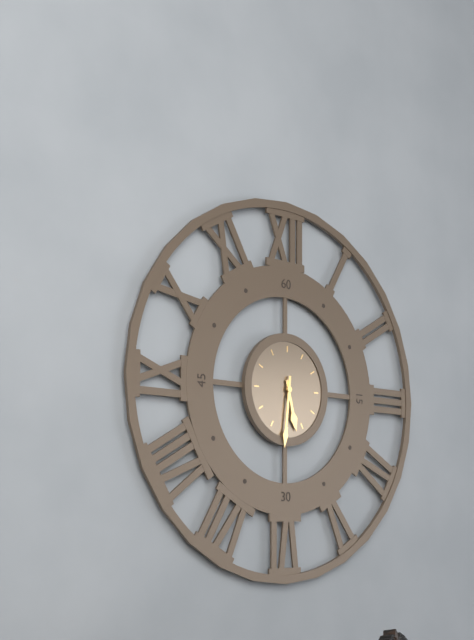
5:31
